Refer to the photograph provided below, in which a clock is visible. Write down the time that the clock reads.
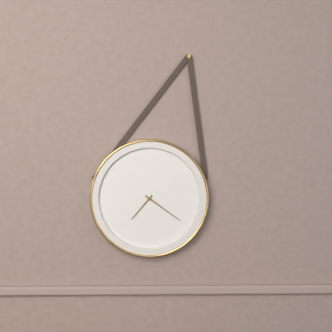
7:21
